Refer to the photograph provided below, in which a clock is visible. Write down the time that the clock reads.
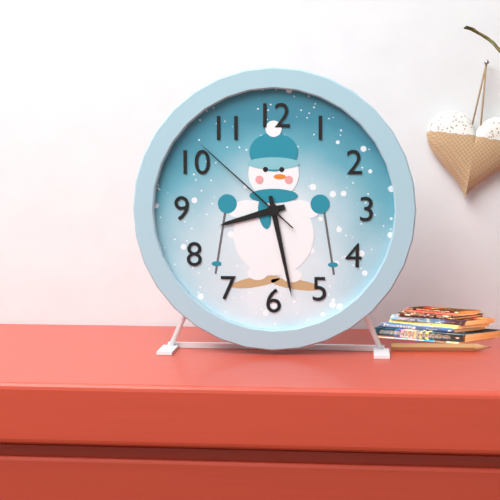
8:28:52
